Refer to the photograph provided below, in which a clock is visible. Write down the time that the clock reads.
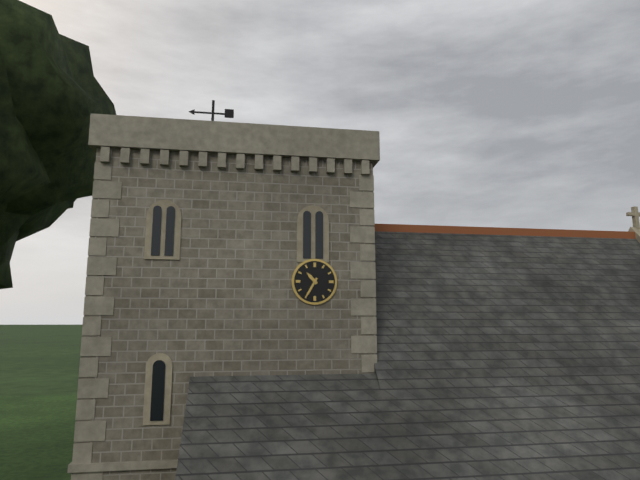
10:35
